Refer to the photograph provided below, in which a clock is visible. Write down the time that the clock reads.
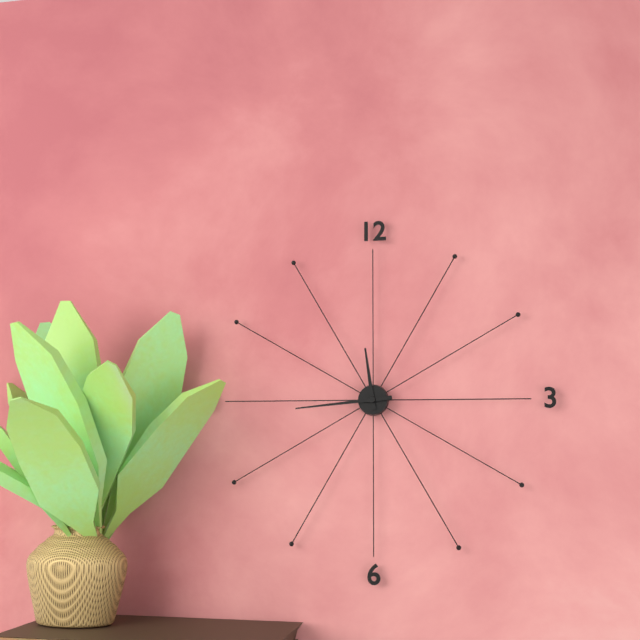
11:44
